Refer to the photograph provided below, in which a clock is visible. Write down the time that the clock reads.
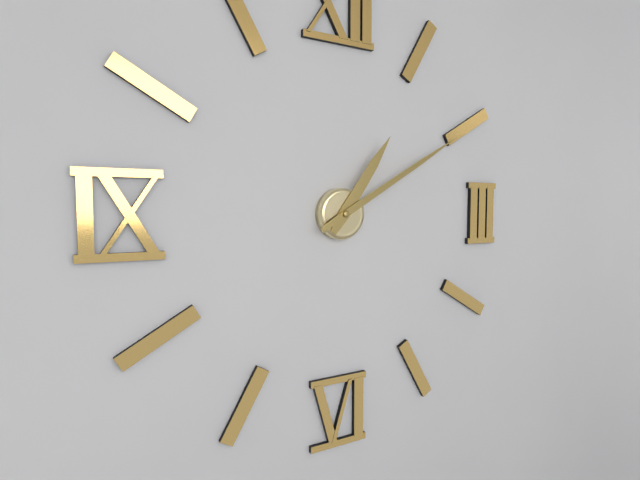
1:10
